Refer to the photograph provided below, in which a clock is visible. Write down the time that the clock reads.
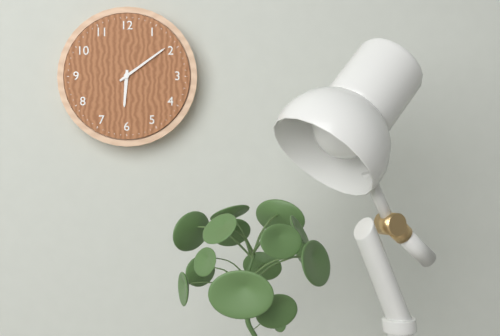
6:09
